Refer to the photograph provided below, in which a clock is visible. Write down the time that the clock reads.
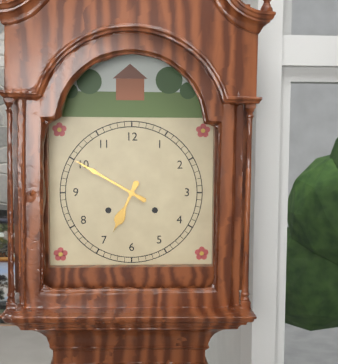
6:50
